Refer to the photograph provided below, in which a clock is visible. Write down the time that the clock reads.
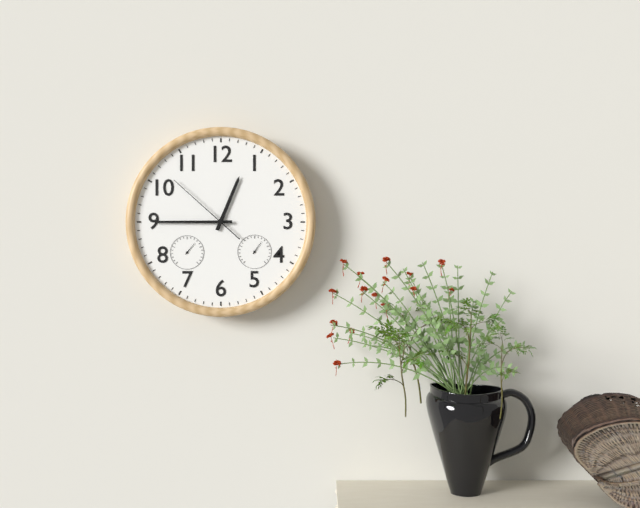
12:45:52
